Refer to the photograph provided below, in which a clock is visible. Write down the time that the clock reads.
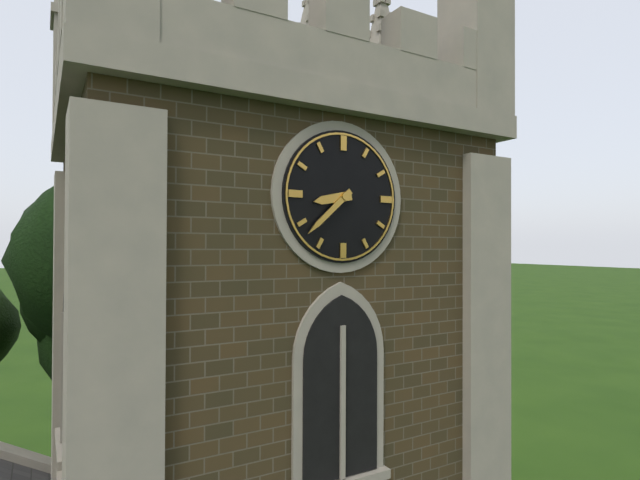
8:38
